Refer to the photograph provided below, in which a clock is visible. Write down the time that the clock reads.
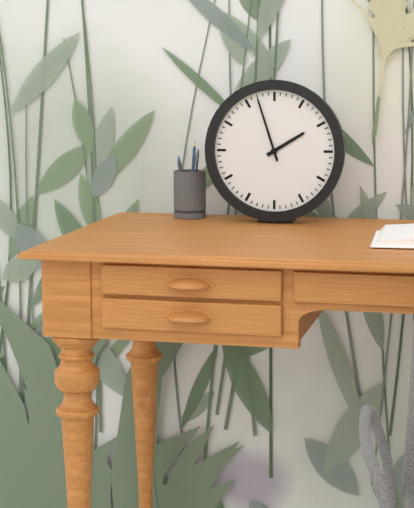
1:57
